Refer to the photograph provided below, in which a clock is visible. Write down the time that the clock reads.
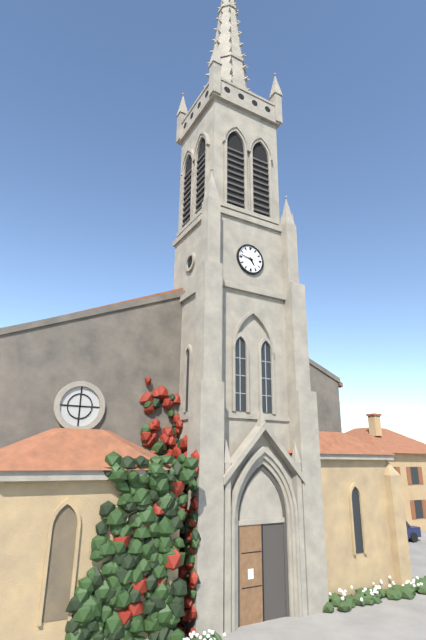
4:47
